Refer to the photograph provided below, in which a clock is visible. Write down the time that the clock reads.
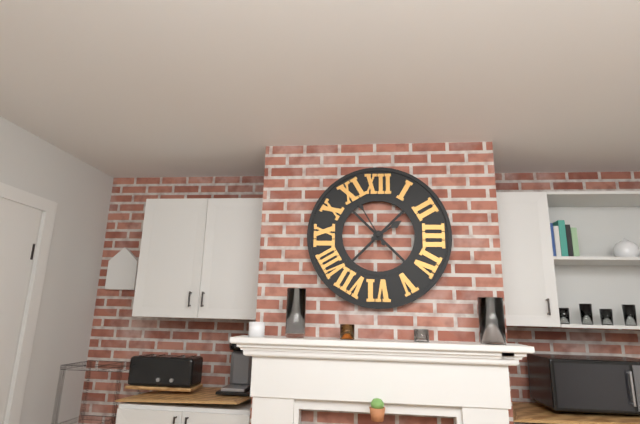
1:55
